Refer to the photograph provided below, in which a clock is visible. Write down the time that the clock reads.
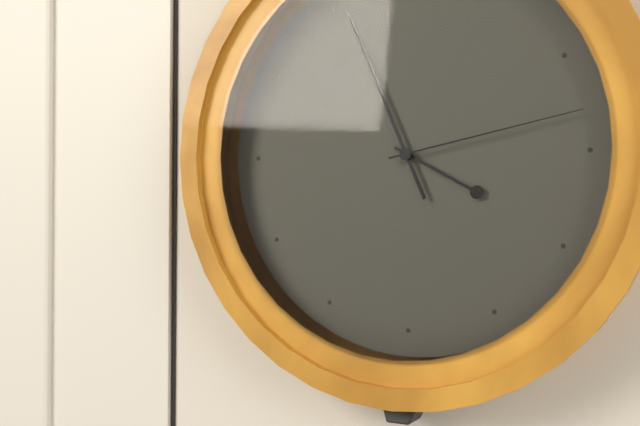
3:56:13
